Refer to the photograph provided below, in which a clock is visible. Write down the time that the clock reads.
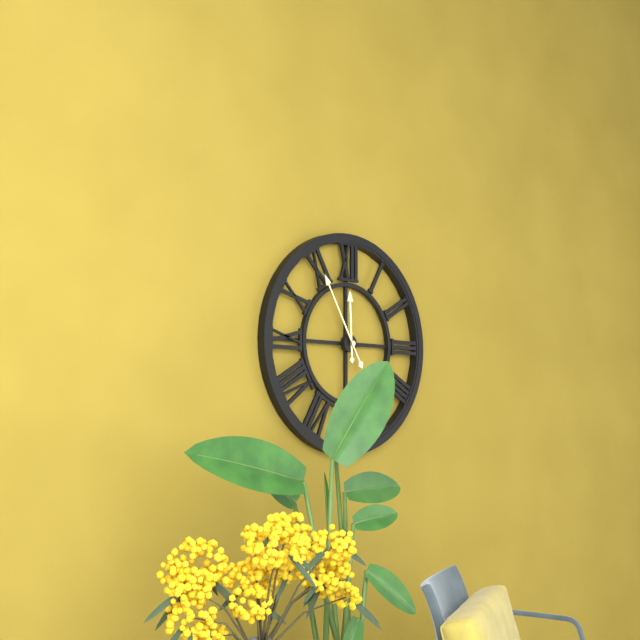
11:55
